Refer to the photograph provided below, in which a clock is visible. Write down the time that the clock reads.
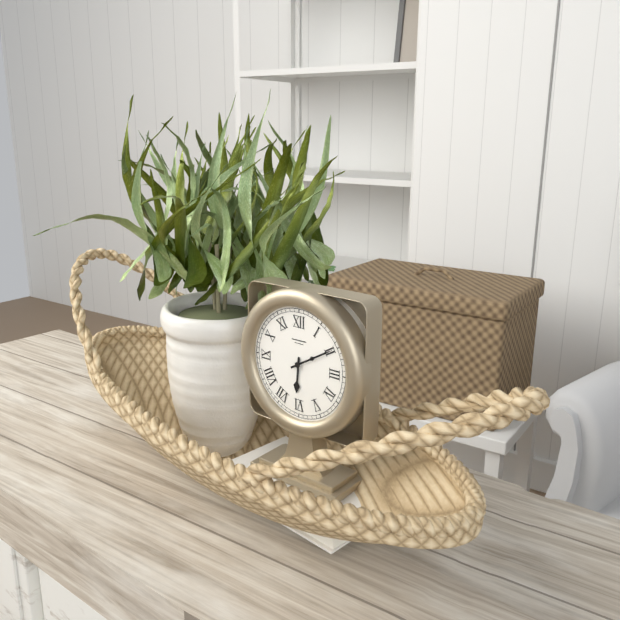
6:10
